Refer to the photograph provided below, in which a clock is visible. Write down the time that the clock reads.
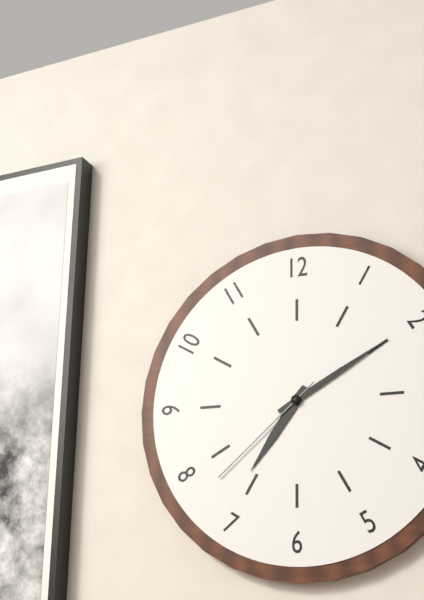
7:10:38
